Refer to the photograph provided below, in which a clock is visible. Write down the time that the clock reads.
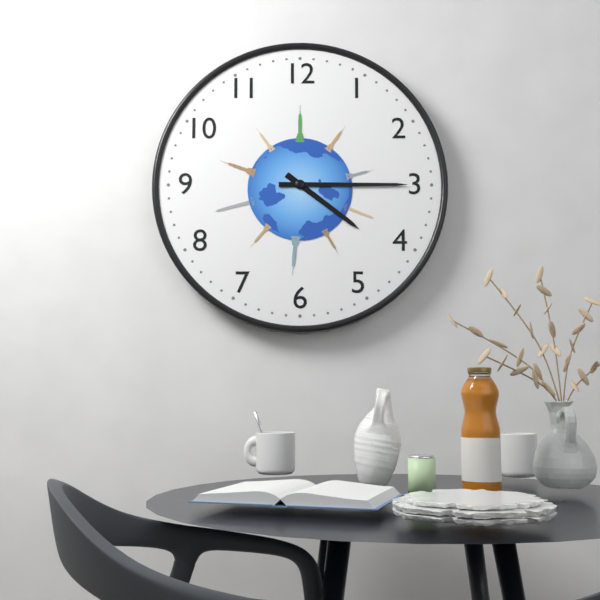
4:15
